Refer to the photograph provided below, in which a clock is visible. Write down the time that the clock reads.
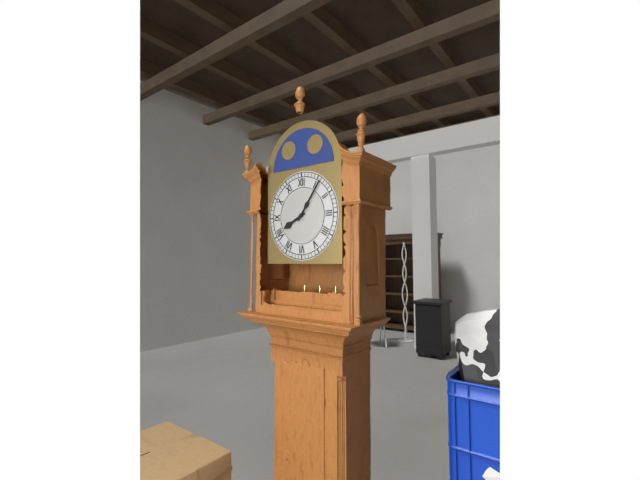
8:06
